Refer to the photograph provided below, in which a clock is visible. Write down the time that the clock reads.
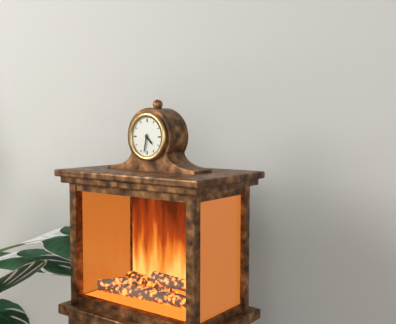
4:32
